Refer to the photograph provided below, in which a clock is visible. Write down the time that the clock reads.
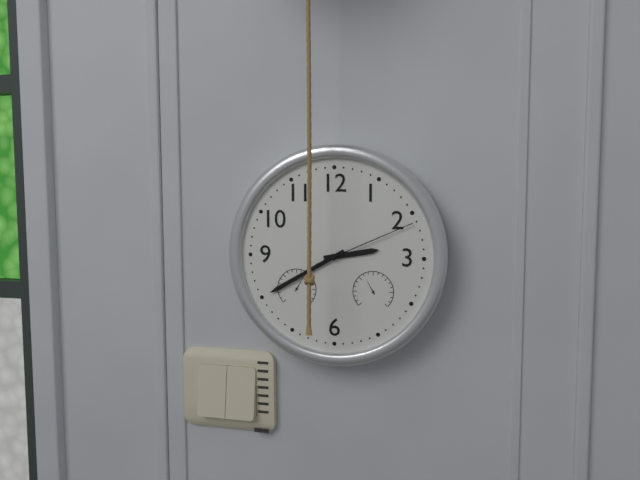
2:40:11
